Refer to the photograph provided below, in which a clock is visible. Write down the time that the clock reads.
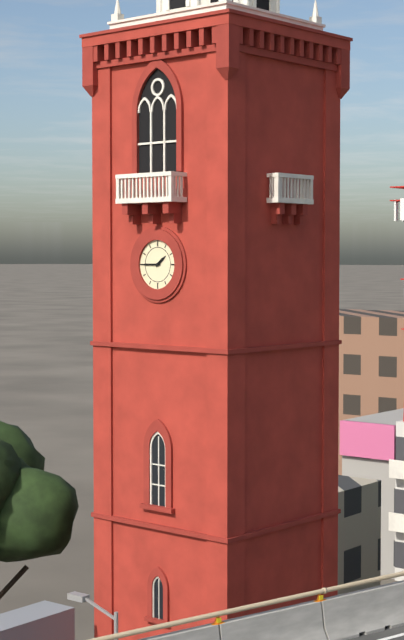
1:45
